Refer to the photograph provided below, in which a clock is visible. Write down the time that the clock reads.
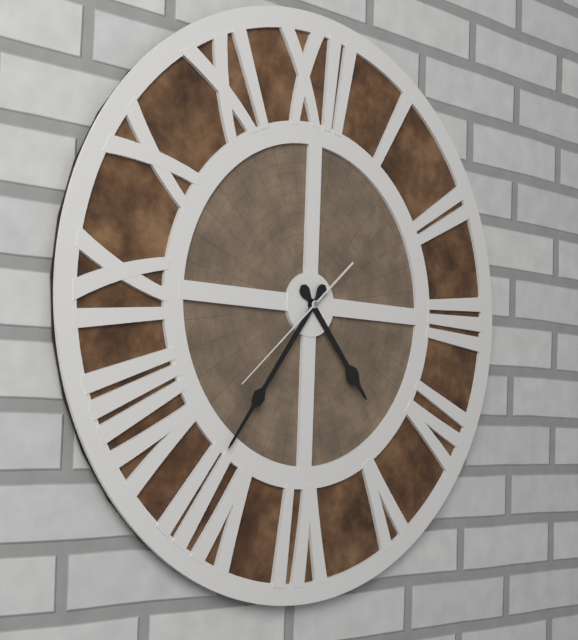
4:36:38
